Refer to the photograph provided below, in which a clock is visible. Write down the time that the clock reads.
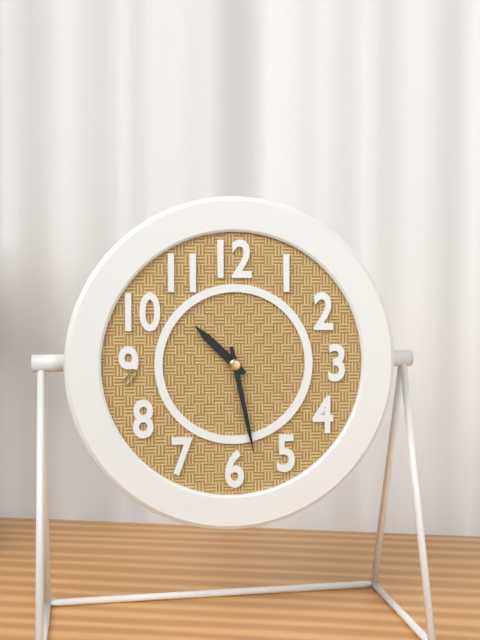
10:28
